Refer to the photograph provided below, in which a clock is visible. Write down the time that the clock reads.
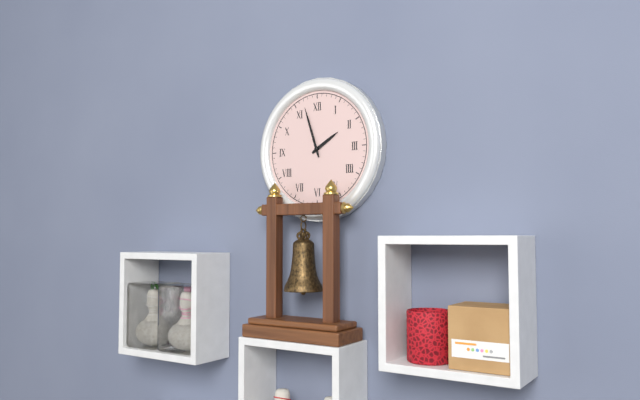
1:57
